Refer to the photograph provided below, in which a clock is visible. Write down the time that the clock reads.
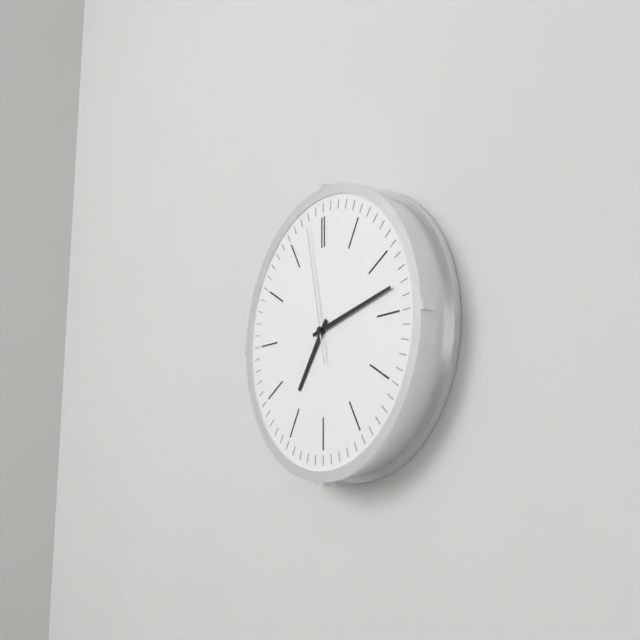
7:13:58
